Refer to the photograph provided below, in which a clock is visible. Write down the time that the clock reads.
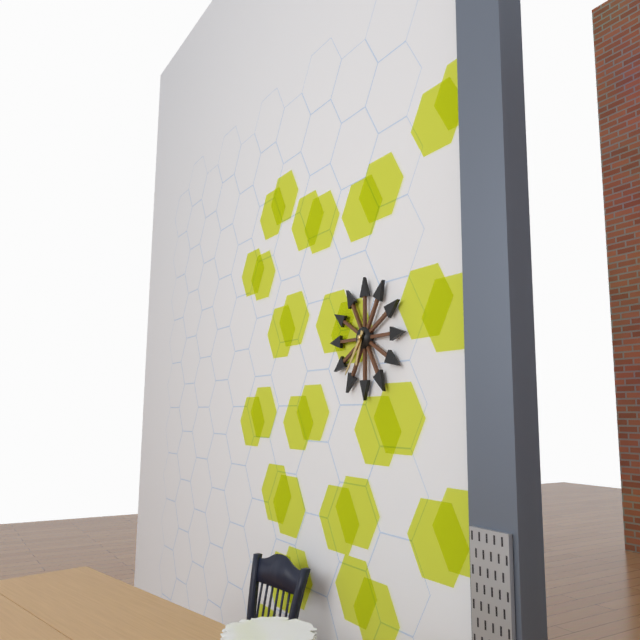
6:36
